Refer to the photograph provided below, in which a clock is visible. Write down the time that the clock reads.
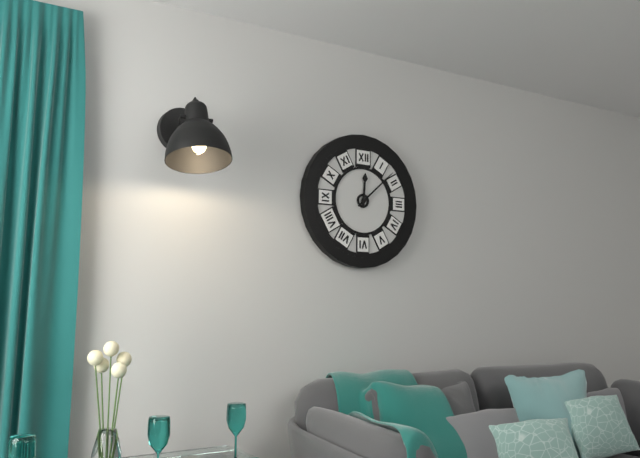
12:08
